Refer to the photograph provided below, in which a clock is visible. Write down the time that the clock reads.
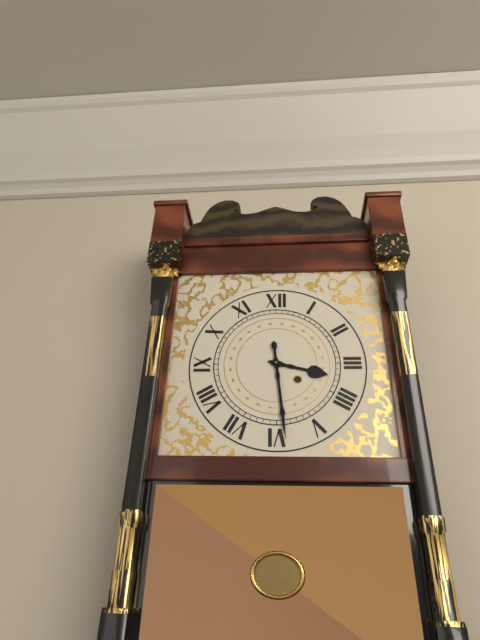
3:29
